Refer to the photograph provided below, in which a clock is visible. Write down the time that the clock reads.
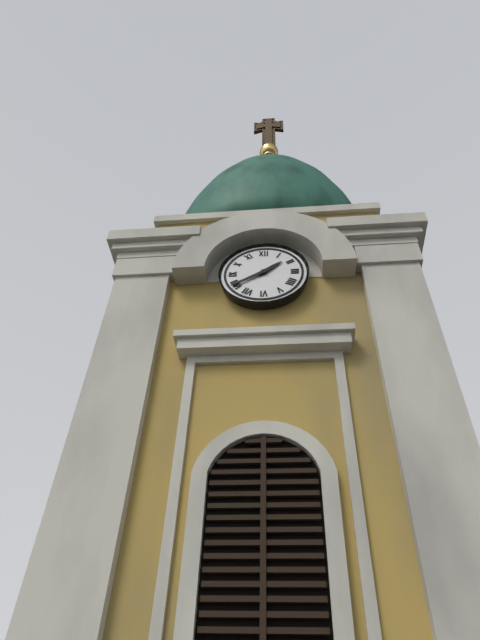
1:40
